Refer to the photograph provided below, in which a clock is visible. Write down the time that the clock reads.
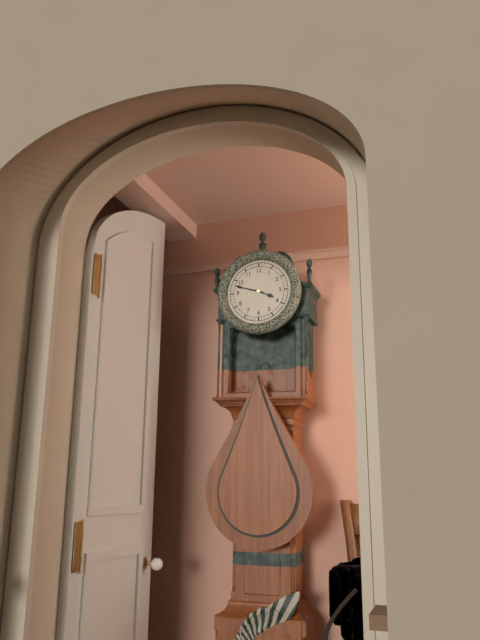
3:48
